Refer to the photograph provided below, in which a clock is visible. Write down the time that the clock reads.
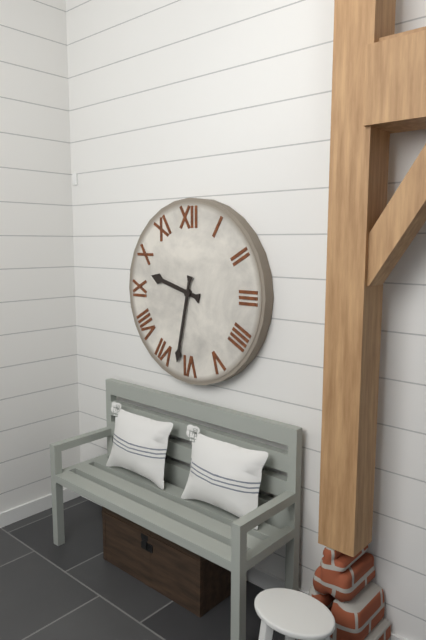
9:32
